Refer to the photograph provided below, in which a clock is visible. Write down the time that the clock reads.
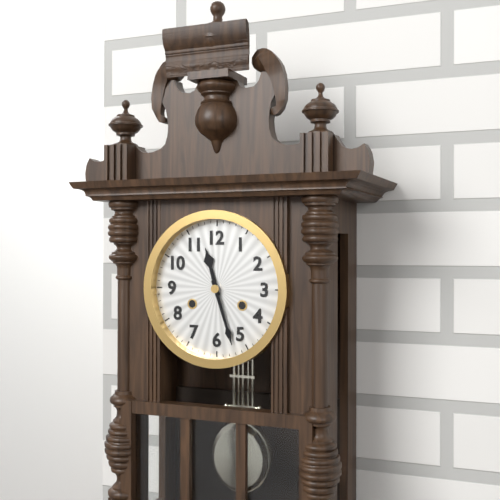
11:27
